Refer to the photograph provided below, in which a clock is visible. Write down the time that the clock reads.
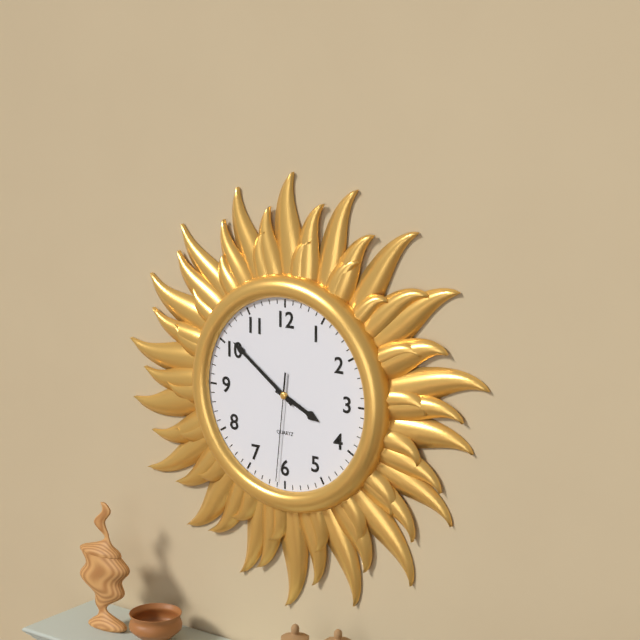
3:51:31
